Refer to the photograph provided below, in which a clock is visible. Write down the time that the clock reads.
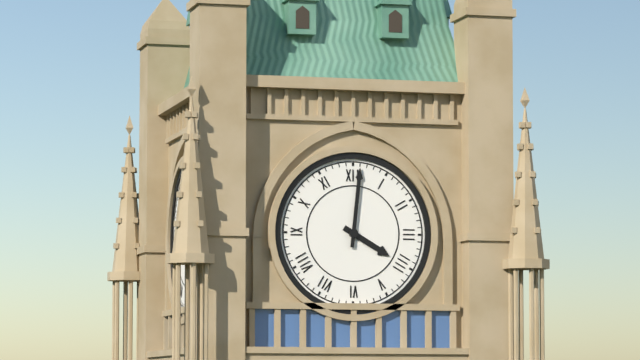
4:01
